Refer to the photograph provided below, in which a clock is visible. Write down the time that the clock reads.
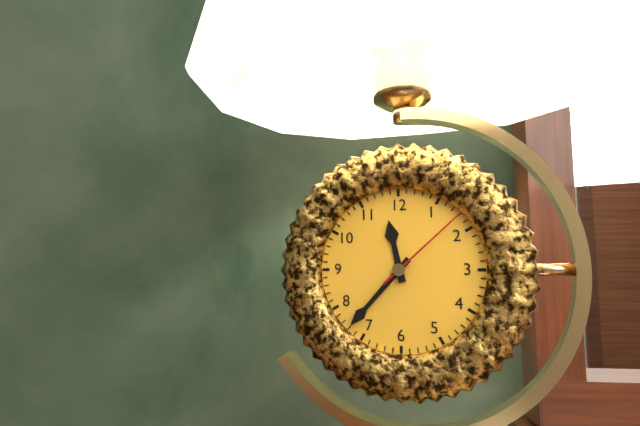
11:37:08
